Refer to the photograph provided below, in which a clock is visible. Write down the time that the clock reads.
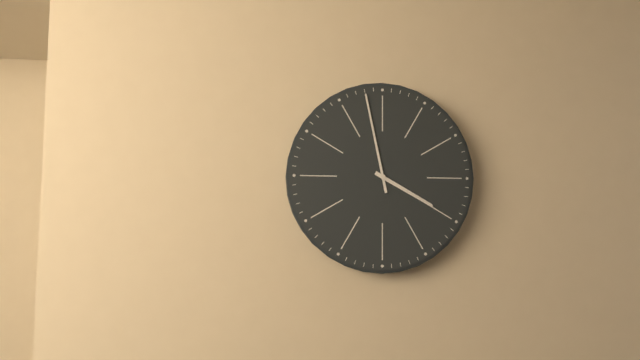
3:58
